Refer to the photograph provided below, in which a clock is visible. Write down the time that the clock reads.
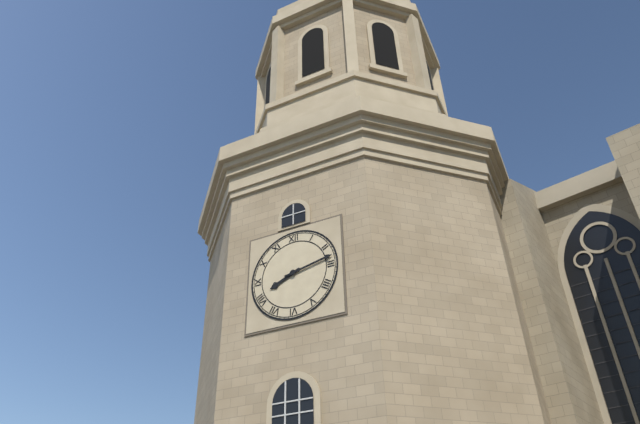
8:13
